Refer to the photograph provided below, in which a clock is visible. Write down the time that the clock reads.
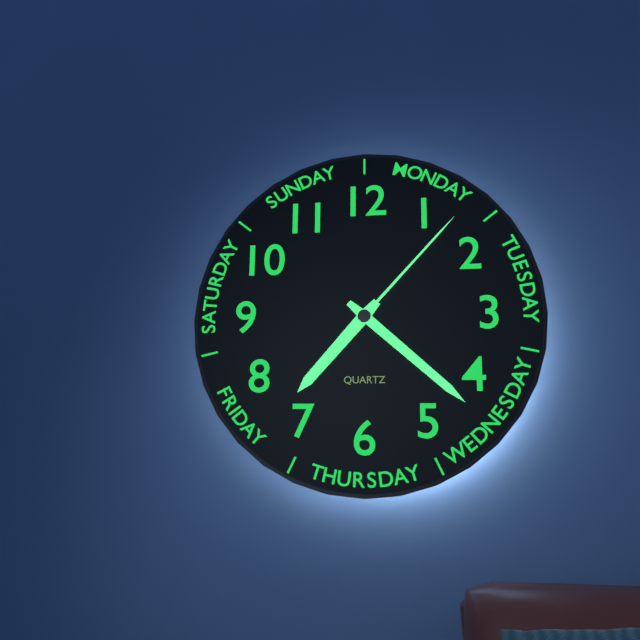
7:22:07
